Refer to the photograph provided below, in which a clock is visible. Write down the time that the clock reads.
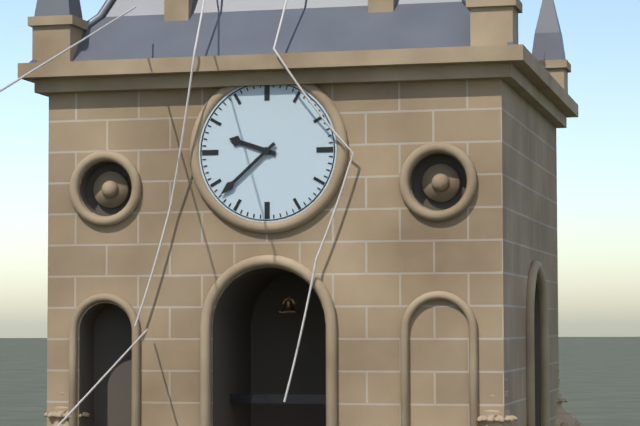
9:38
